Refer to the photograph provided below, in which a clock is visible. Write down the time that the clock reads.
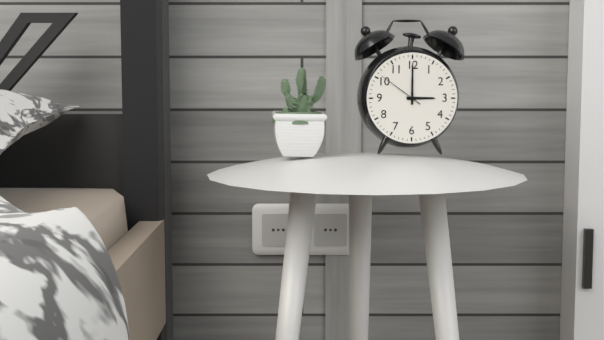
3:00
